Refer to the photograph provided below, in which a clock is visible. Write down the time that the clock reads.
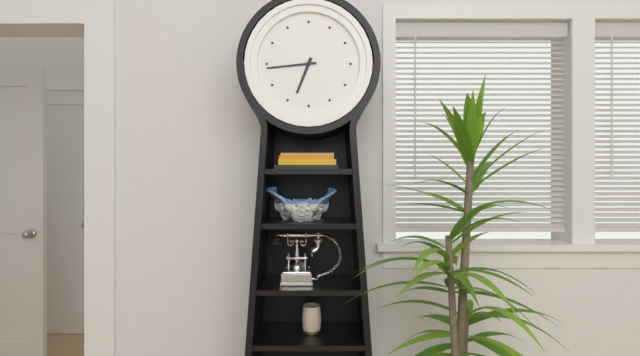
6:44
